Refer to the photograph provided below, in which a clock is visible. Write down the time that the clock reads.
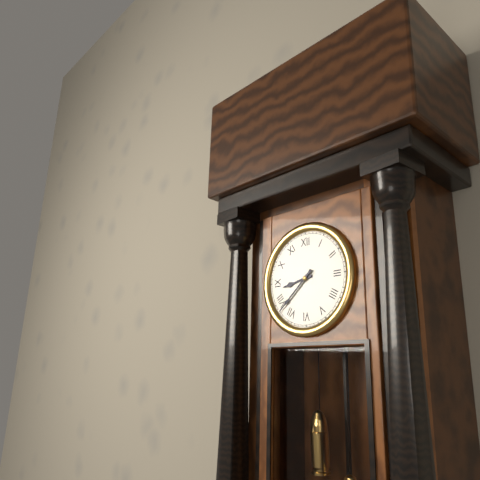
8:38
